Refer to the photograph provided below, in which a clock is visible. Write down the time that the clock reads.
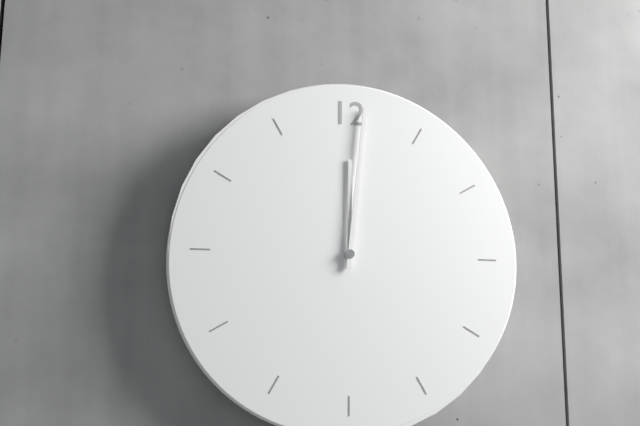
12:01
